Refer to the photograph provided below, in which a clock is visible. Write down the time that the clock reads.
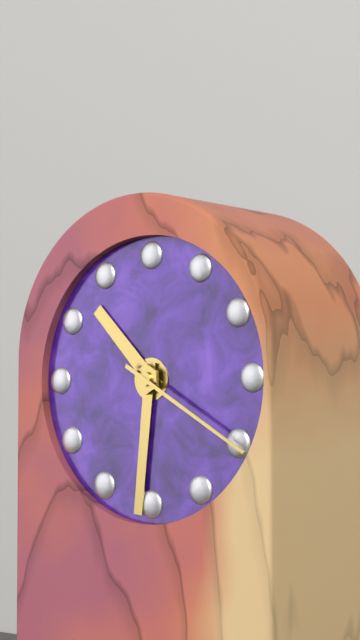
10:31:20
